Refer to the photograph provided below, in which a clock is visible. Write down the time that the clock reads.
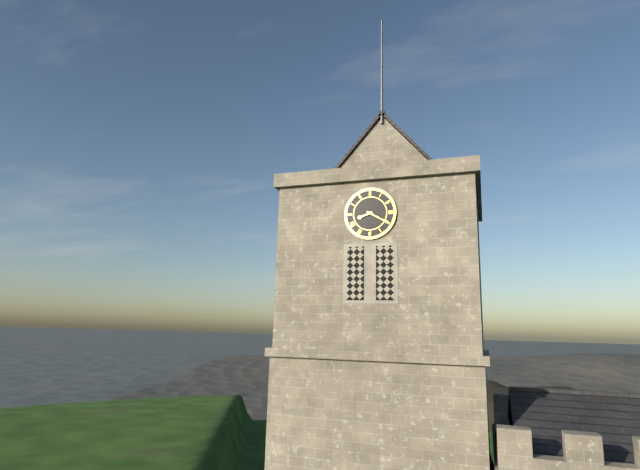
8:20
